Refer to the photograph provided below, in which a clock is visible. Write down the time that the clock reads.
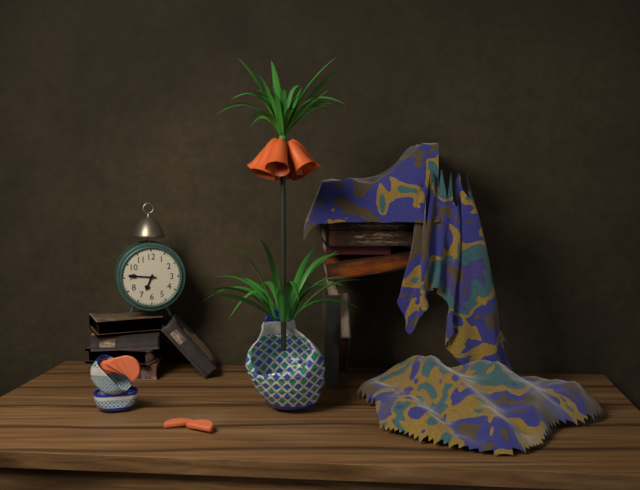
6:46
